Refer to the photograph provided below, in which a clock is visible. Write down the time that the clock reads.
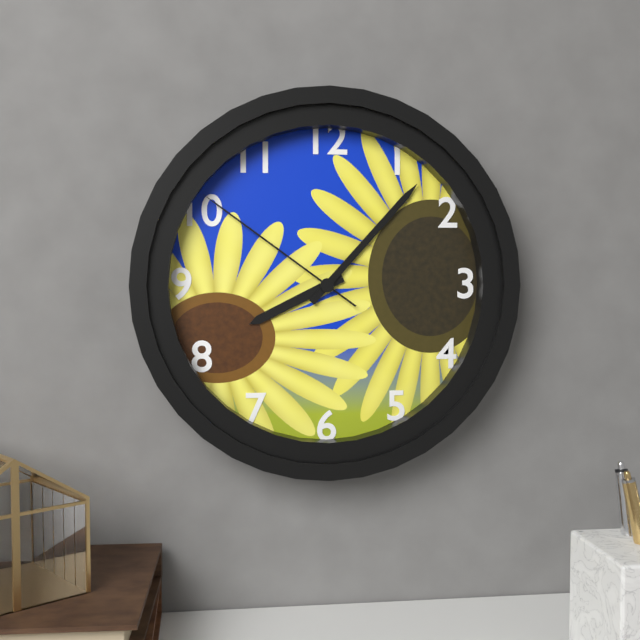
8:07:51
